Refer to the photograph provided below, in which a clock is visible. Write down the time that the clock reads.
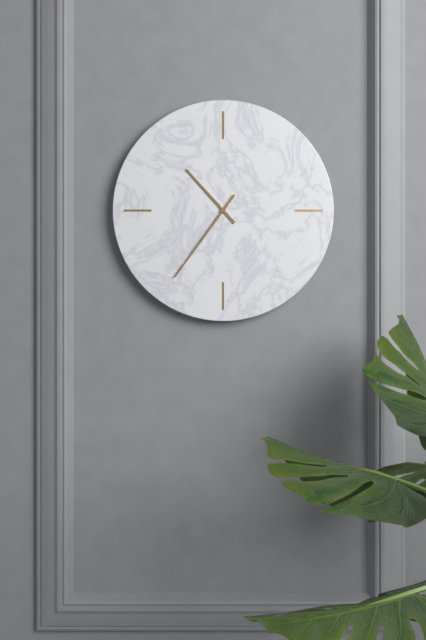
10:36
